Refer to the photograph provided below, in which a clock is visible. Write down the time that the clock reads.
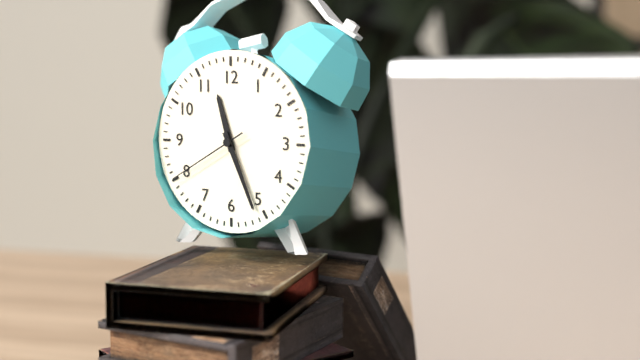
11:26:40
